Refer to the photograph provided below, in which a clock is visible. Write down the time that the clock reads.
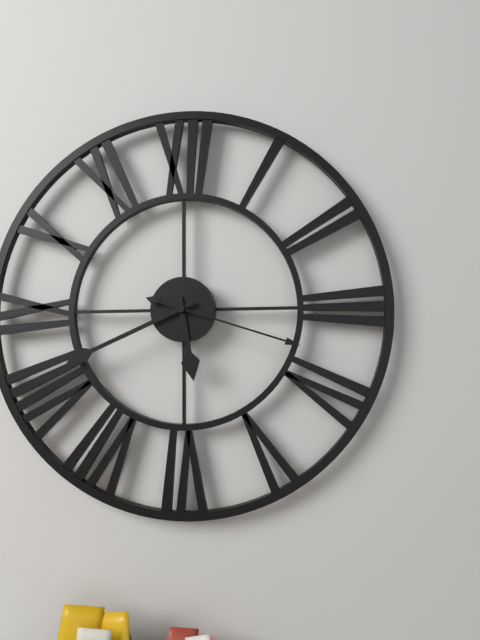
5:41:18
